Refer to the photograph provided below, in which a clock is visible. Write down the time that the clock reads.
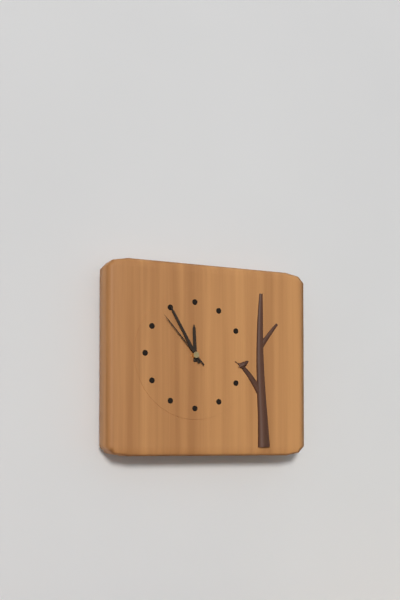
11:55:53
